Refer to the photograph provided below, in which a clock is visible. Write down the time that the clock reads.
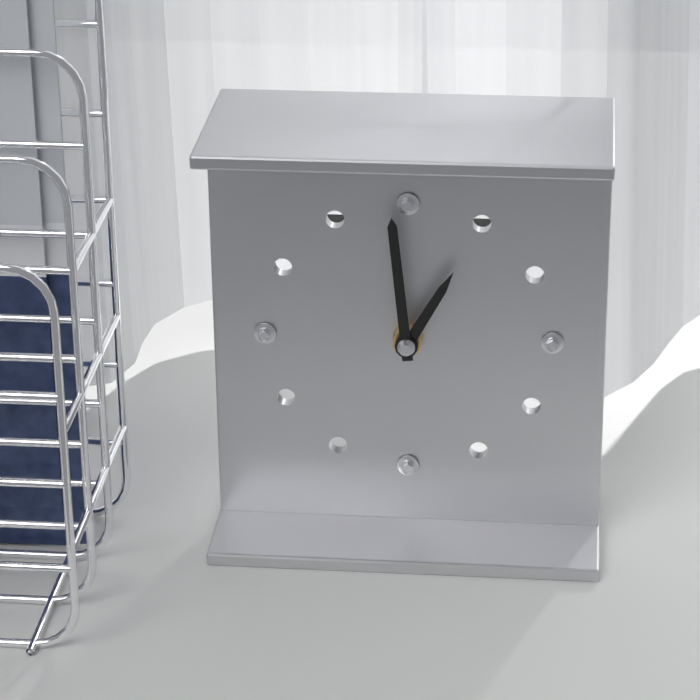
12:59
